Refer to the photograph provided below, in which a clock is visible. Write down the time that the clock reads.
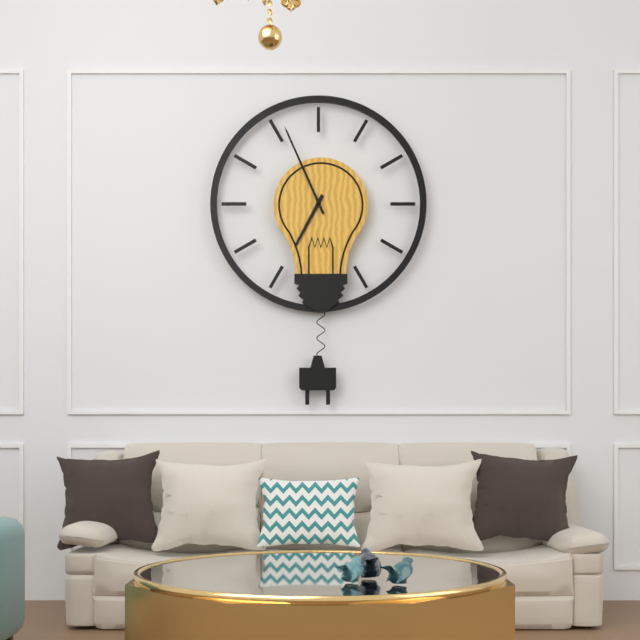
6:56
